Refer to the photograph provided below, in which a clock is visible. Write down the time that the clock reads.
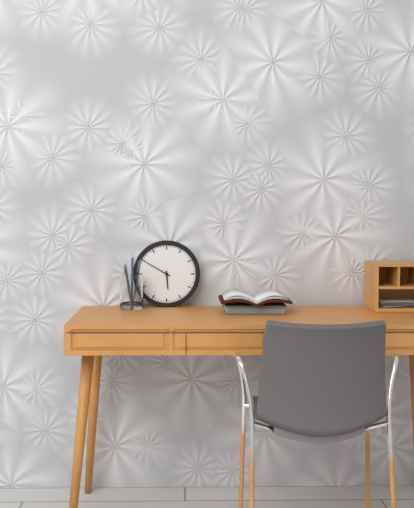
5:50
